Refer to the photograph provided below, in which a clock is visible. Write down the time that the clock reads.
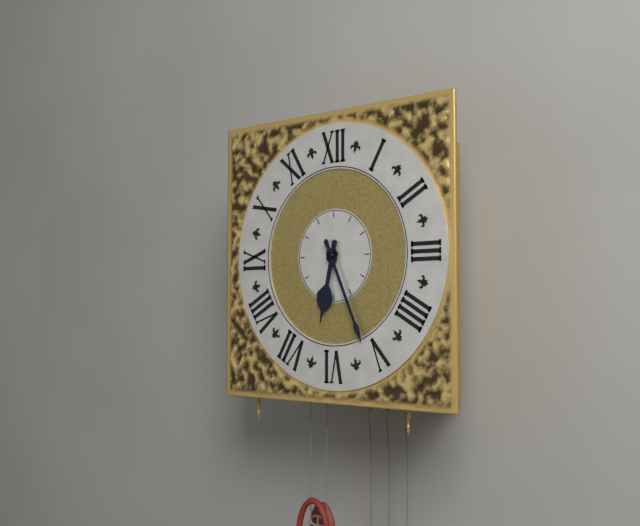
6:26
